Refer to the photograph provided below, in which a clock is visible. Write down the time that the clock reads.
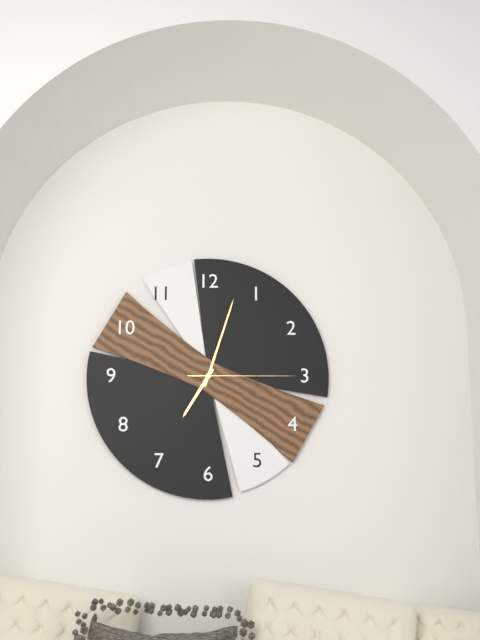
7:03:15
